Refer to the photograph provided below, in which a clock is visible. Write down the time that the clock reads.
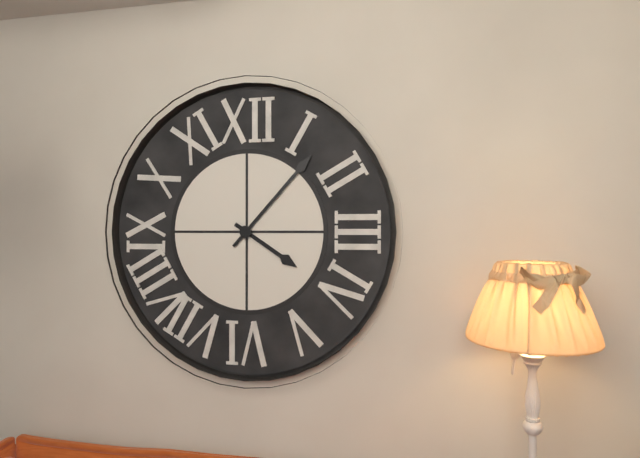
4:07
